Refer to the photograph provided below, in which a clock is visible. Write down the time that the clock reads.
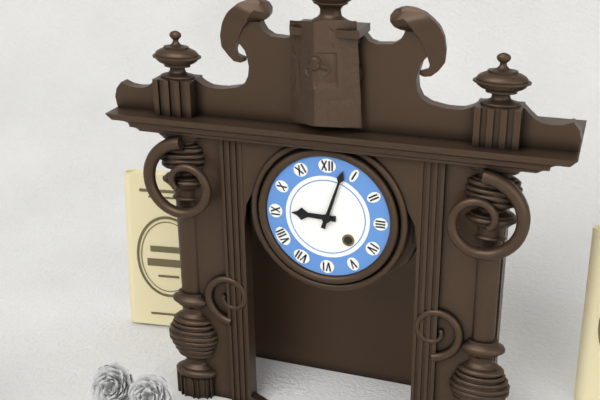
9:03
